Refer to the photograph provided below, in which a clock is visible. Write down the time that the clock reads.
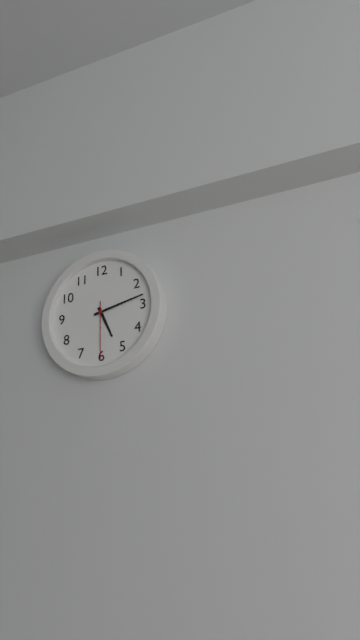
5:13:30
